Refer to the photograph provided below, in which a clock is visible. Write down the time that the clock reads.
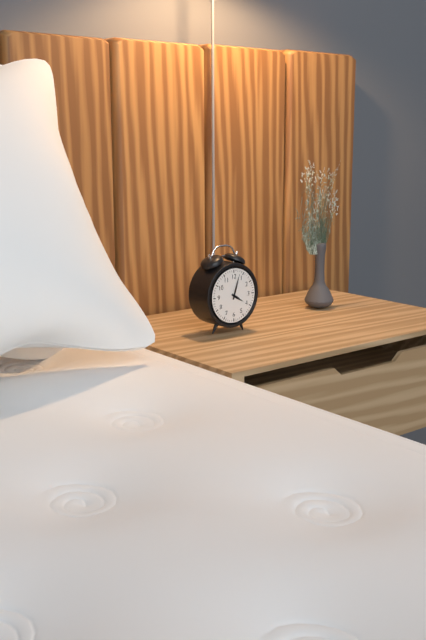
4:03
